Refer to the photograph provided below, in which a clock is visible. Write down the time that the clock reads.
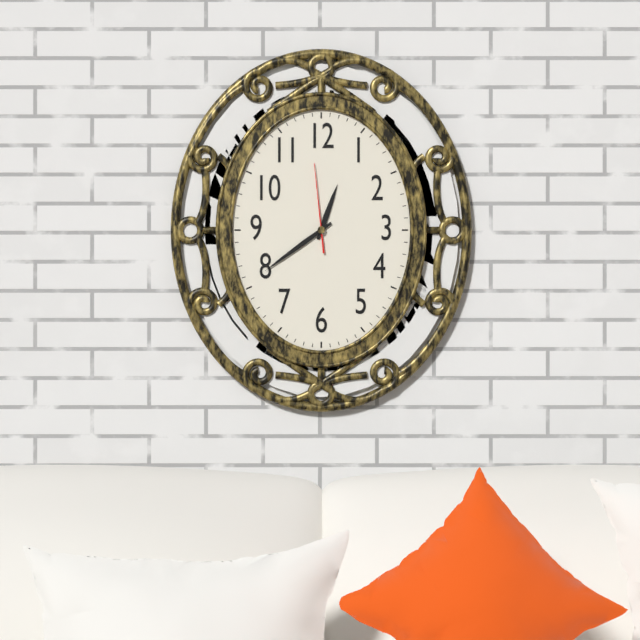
12:39:59
